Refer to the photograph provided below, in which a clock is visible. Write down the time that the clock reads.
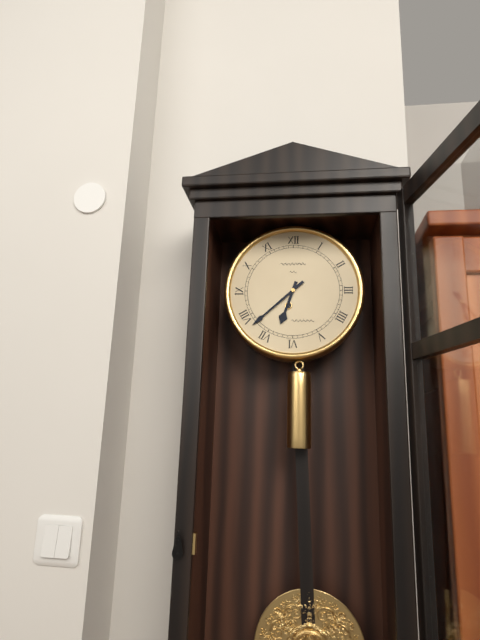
6:38
